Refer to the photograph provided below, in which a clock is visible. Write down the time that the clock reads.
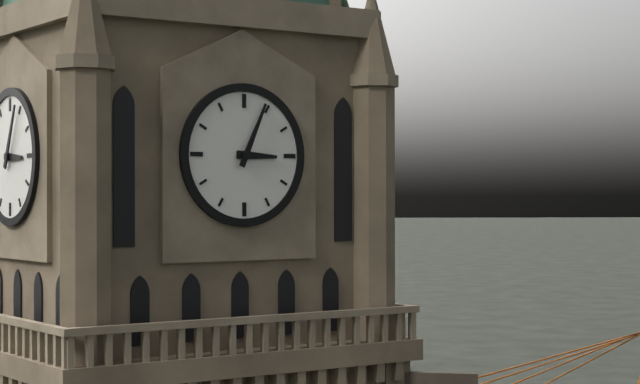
3:04
